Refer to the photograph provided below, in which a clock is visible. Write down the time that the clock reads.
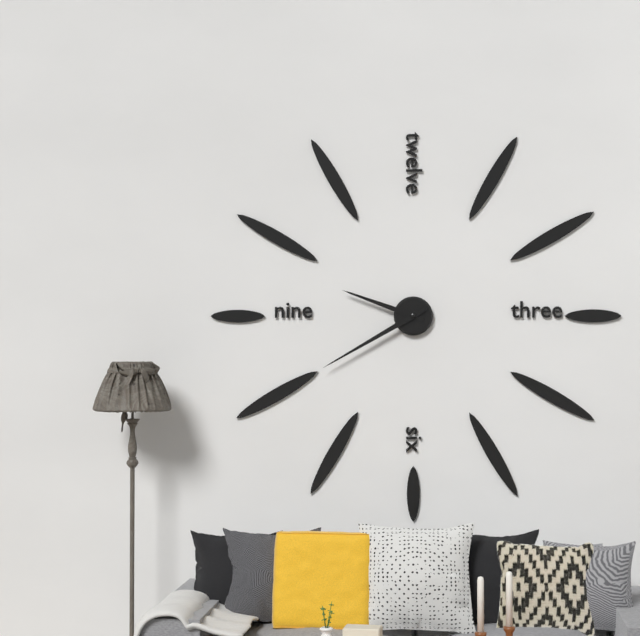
9:40
